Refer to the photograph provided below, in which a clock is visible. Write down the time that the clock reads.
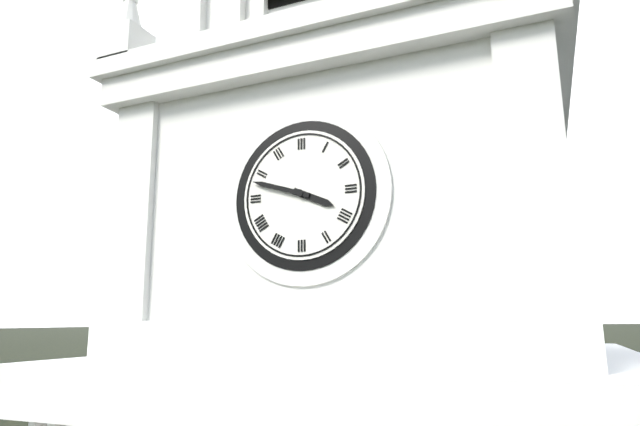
3:48
